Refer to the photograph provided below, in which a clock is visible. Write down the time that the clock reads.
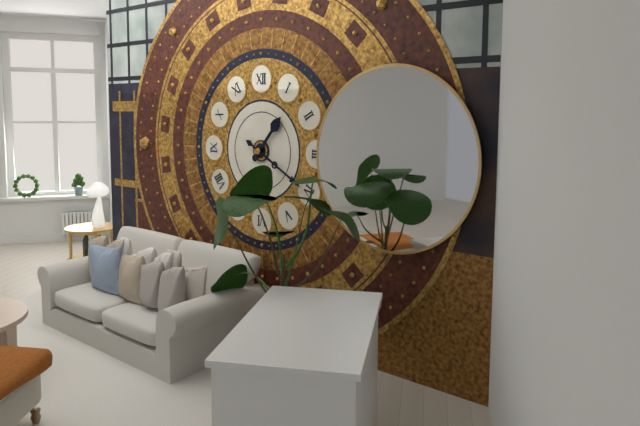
1:20
